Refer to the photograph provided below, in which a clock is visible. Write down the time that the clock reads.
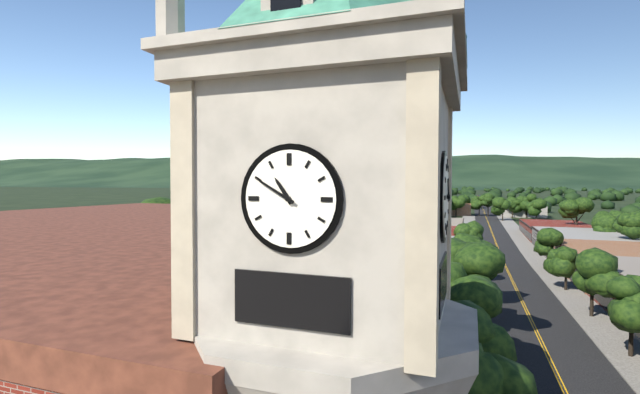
10:50
